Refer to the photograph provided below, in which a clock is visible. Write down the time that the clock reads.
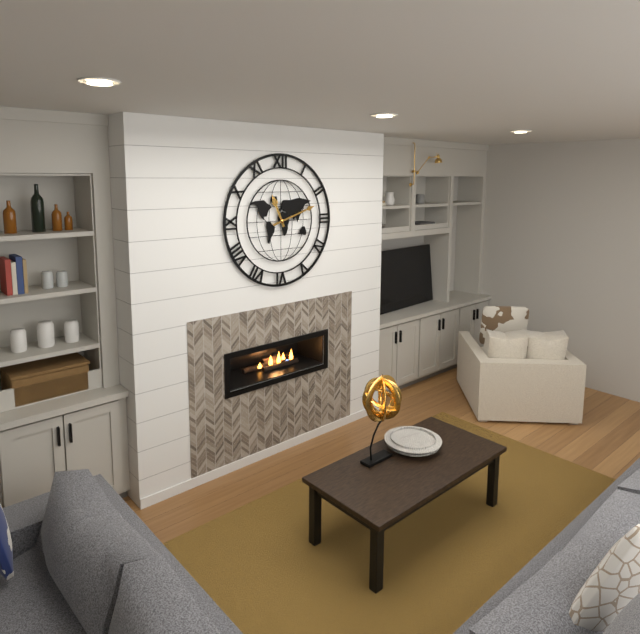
11:12
